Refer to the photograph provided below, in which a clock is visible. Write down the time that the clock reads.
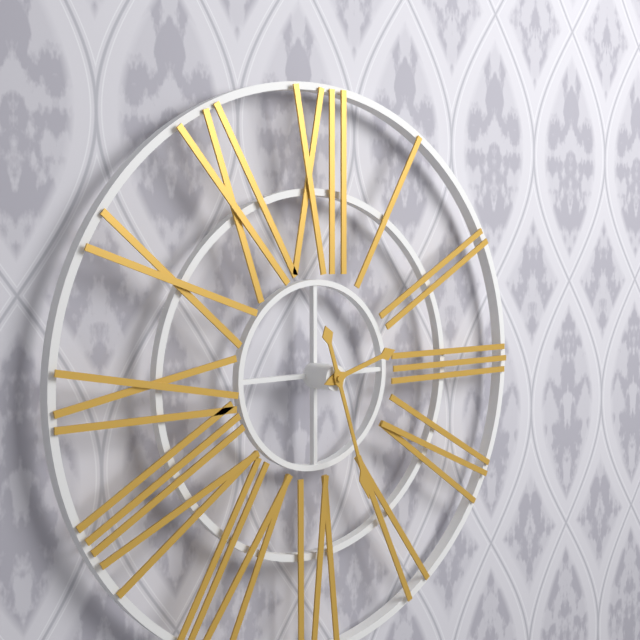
2:27
